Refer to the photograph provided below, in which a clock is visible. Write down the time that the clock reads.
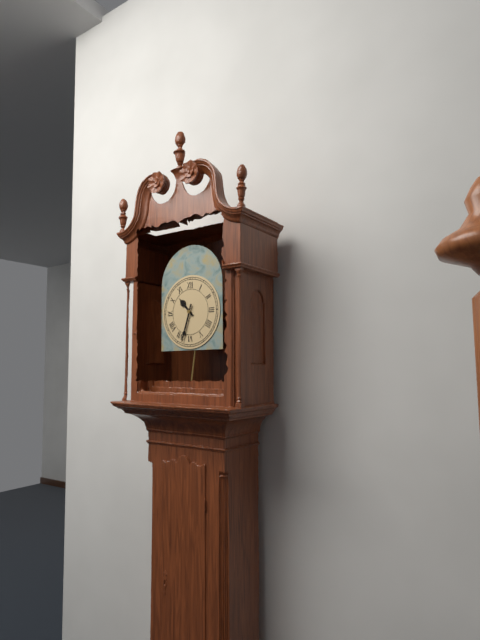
10:33
